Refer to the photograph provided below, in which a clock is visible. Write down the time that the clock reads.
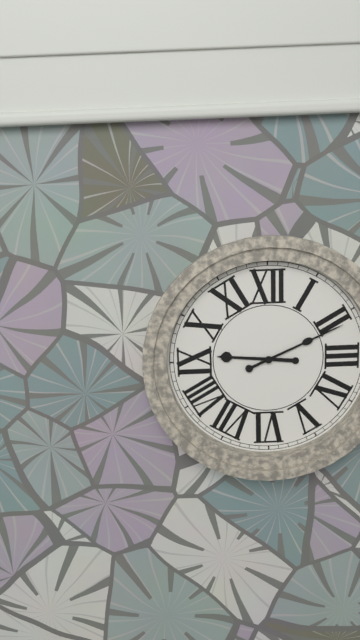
9:11
